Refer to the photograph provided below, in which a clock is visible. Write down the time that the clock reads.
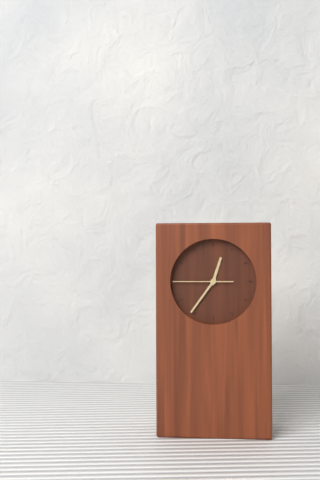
12:36:45
